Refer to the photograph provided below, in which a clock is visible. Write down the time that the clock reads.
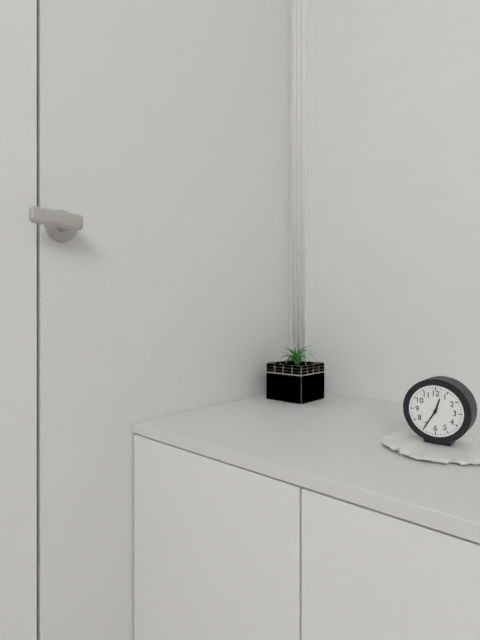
12:35
